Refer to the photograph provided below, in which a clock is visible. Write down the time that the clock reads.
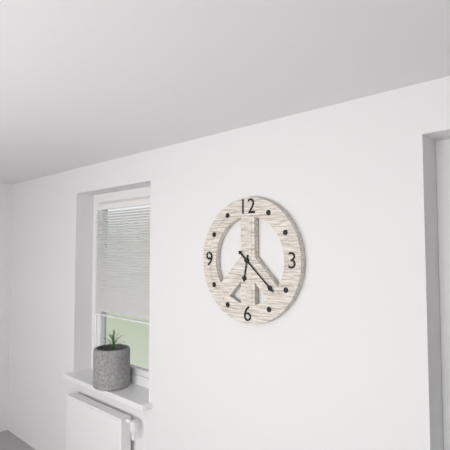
6:22
